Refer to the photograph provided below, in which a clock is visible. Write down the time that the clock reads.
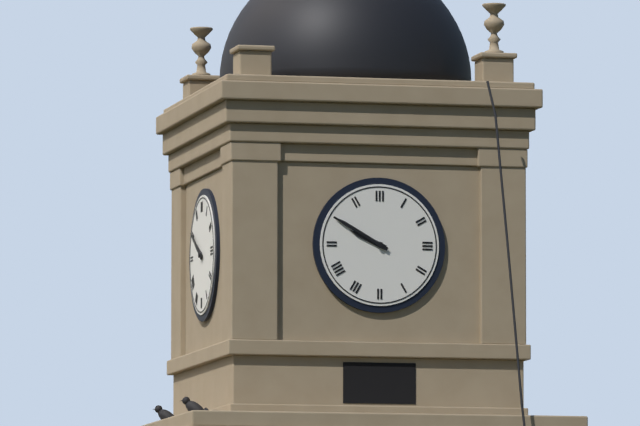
9:50
